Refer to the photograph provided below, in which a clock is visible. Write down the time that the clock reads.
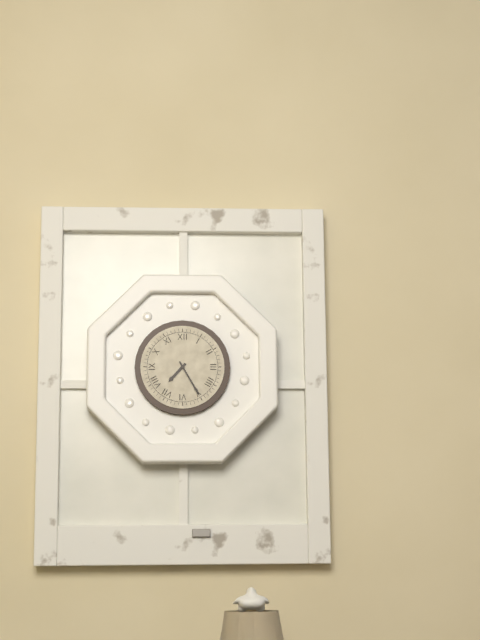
7:25
